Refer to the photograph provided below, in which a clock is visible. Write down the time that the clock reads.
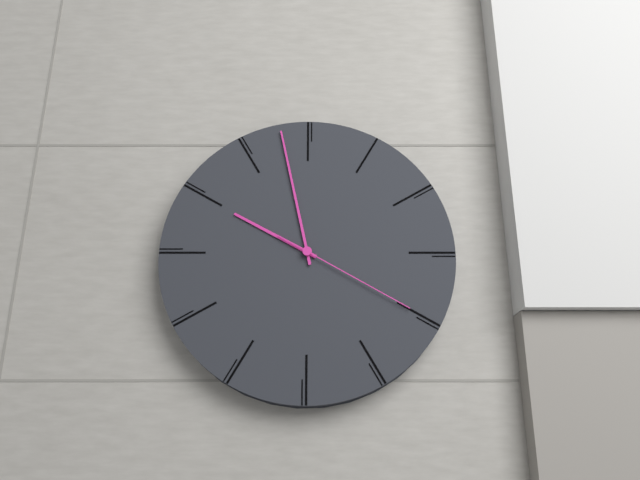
9:58:20
